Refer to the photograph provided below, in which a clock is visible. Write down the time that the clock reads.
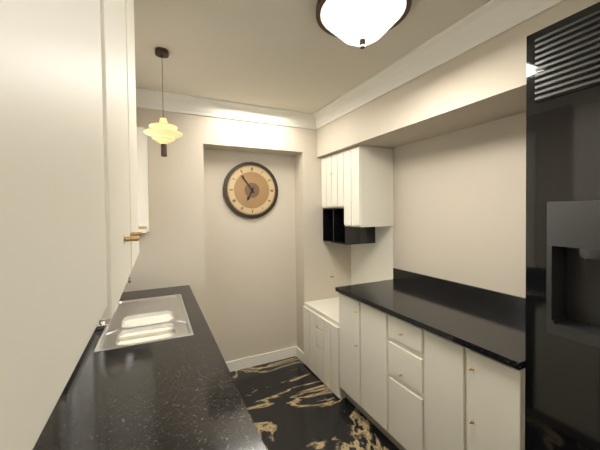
6:54
